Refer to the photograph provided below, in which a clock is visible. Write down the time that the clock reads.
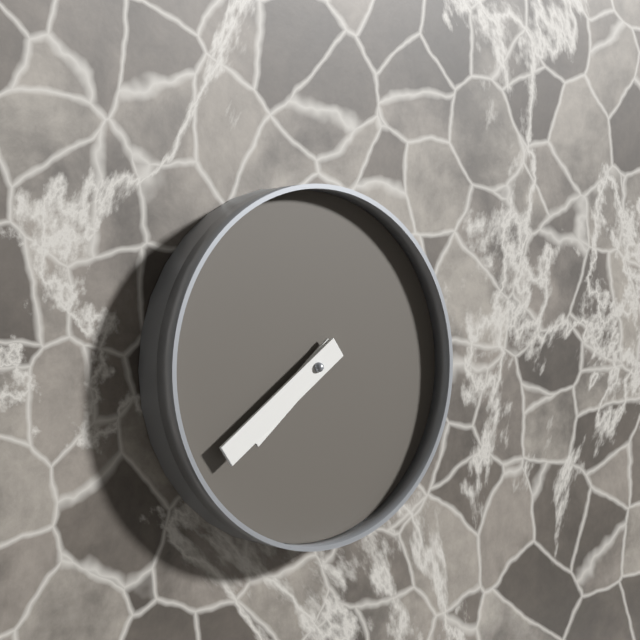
7:39
